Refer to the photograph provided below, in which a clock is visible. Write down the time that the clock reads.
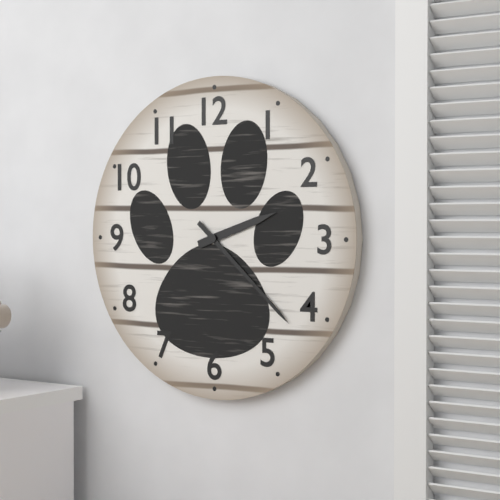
2:22
